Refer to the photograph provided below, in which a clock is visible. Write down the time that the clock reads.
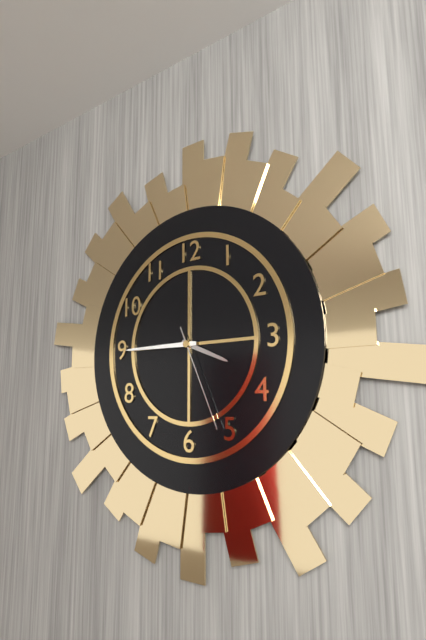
3:45:26
